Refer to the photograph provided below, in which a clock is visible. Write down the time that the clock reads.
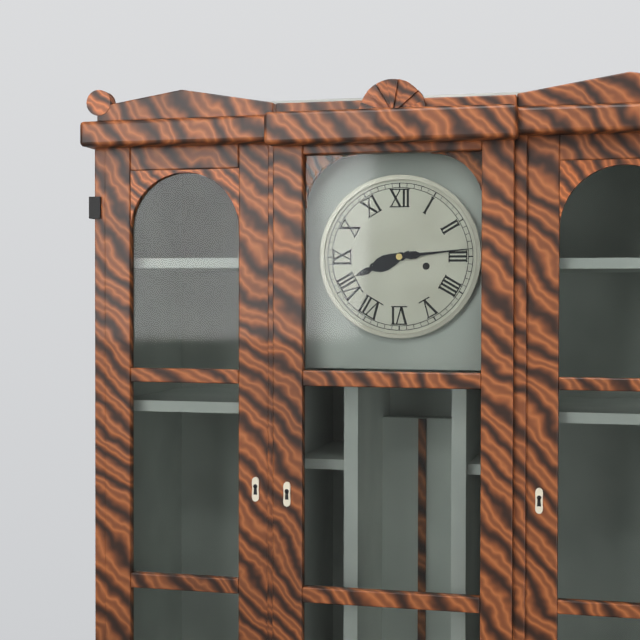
8:14
